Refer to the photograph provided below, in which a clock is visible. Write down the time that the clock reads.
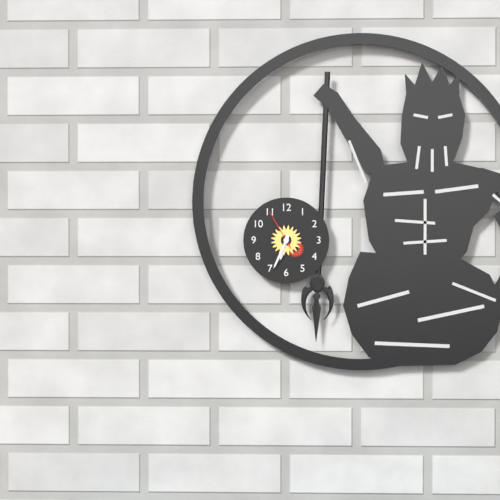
6:34
